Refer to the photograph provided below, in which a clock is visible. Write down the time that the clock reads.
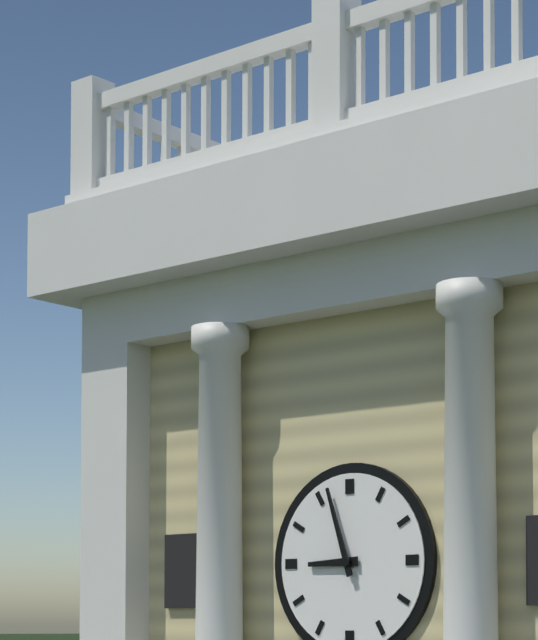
8:57
